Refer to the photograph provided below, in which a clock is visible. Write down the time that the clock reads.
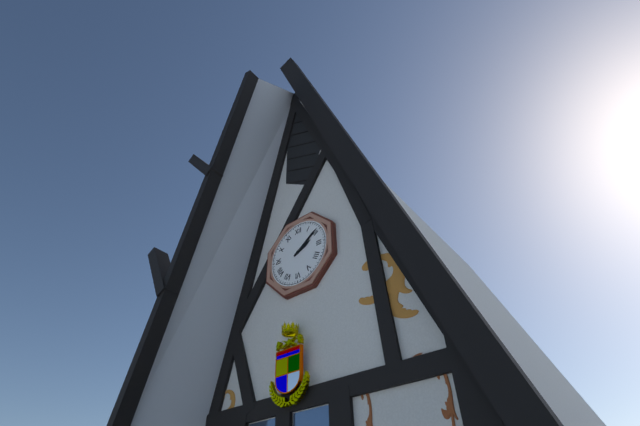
2:09
